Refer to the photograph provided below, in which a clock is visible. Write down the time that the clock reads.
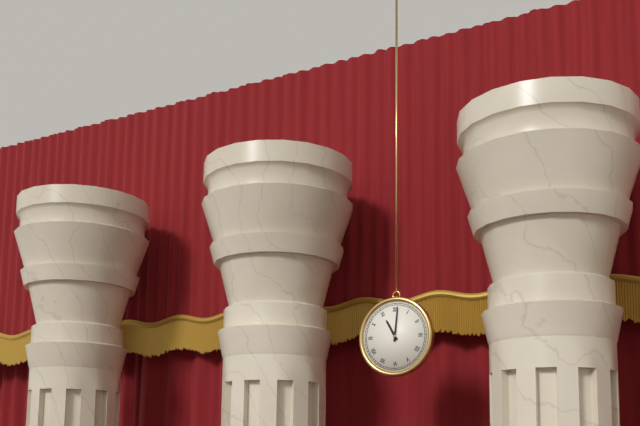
11:01
